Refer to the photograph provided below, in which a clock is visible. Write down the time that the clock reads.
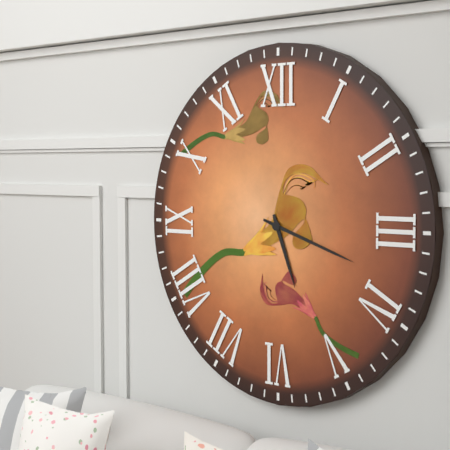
5:18
